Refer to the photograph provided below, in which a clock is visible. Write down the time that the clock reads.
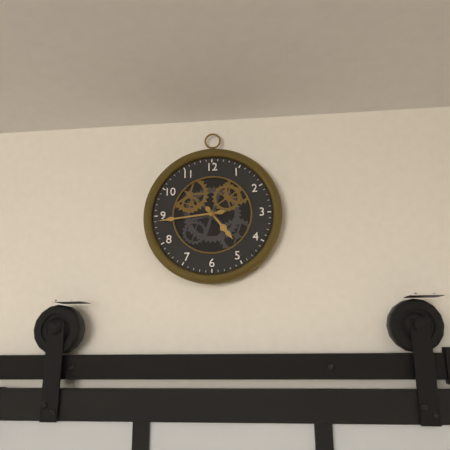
4:44
